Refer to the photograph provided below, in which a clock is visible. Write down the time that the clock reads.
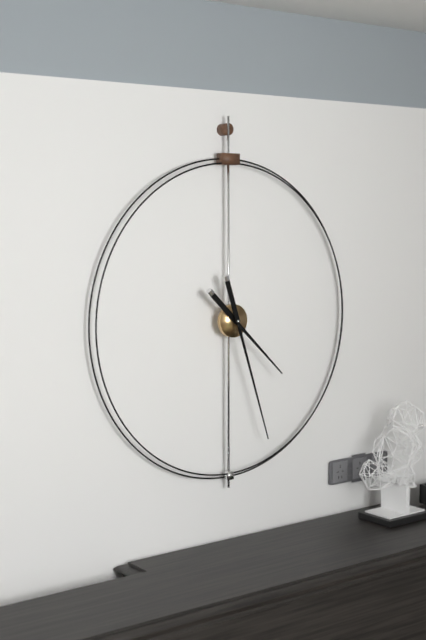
4:27
